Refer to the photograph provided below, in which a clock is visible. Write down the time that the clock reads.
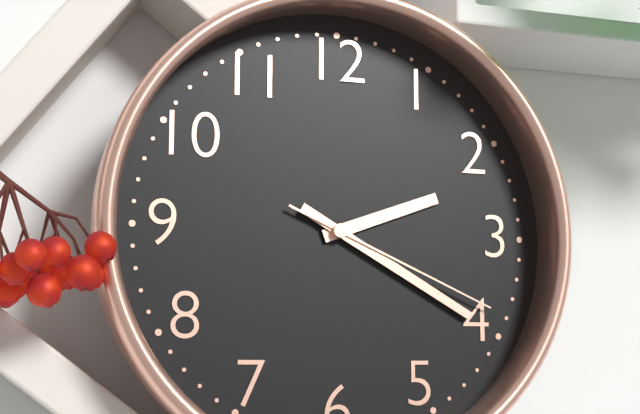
2:20:19
